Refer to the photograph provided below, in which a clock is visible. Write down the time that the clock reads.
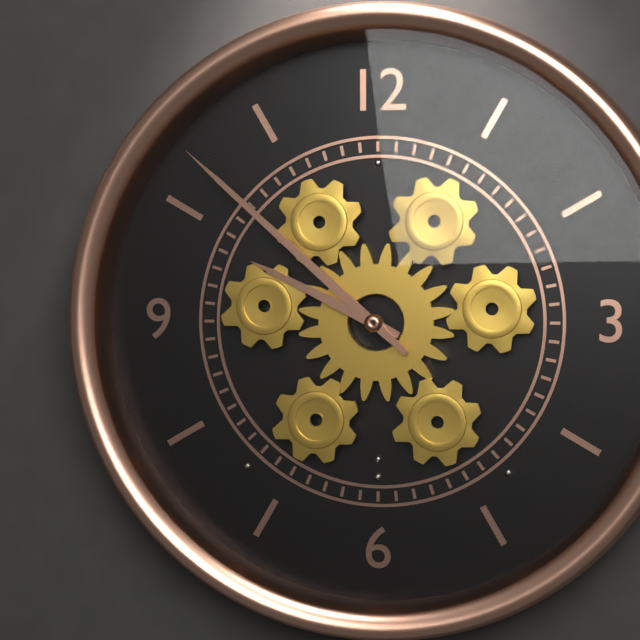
9:52
